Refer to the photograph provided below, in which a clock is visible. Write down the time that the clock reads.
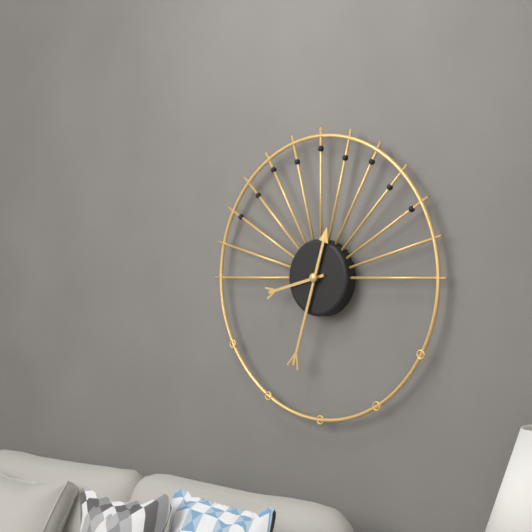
8:33
